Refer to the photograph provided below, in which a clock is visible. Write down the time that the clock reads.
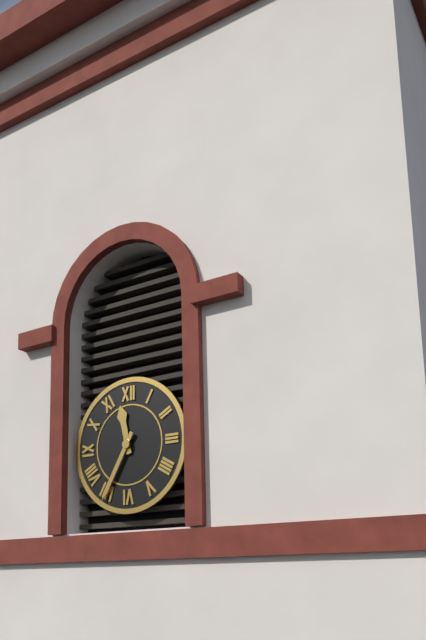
11:35
